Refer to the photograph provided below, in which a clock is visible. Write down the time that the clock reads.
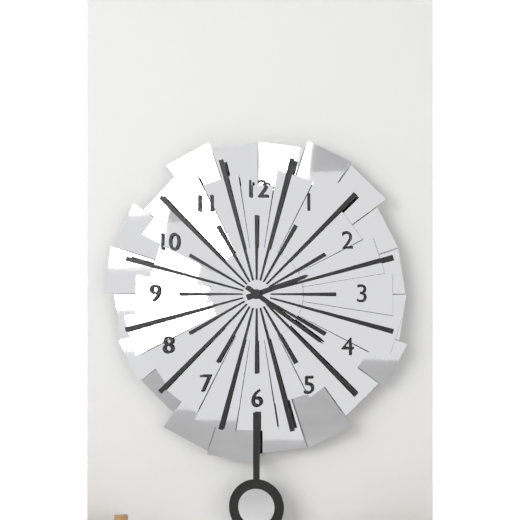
2:21
